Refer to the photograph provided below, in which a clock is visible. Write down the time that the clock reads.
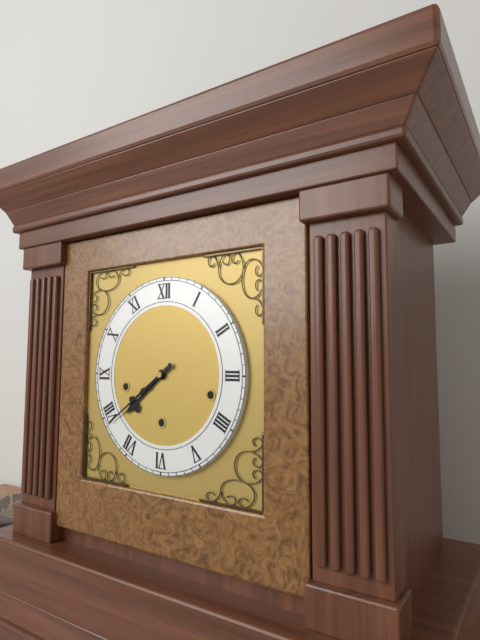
7:39
